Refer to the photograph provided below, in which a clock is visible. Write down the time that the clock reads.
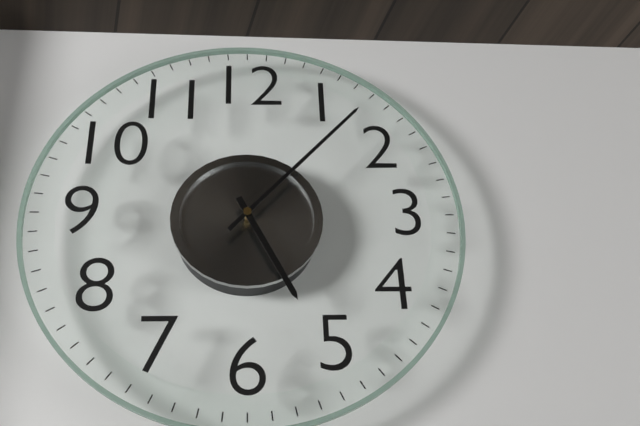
5:07
